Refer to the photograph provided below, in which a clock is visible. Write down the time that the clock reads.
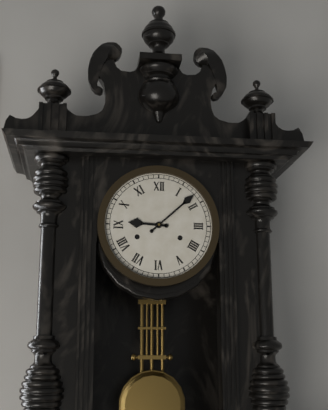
9:08
